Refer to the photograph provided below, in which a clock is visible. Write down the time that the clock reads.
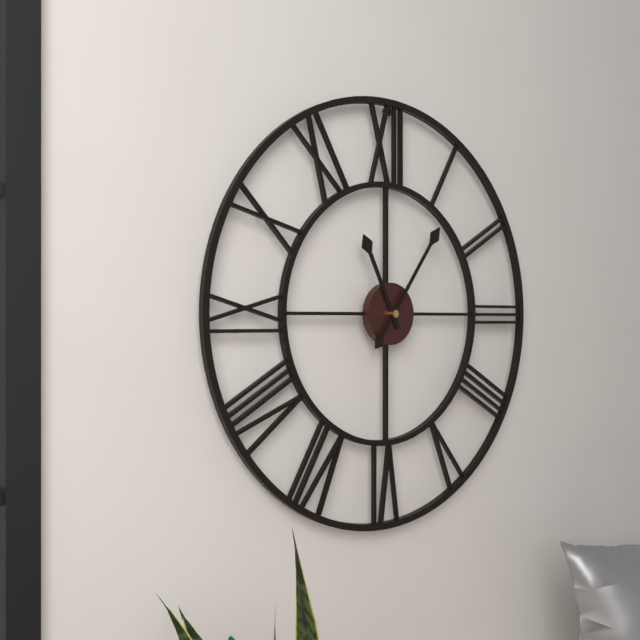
11:06
